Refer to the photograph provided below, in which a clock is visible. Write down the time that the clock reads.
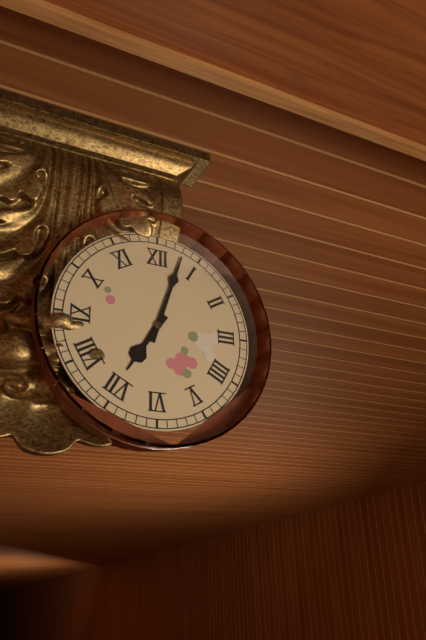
7:03
